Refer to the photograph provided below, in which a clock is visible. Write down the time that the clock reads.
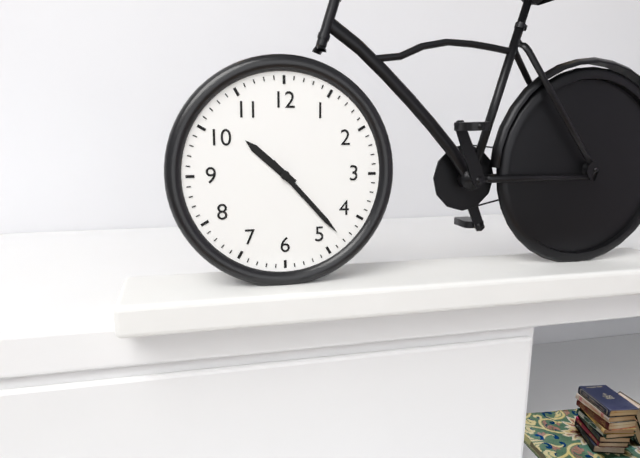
10:23
